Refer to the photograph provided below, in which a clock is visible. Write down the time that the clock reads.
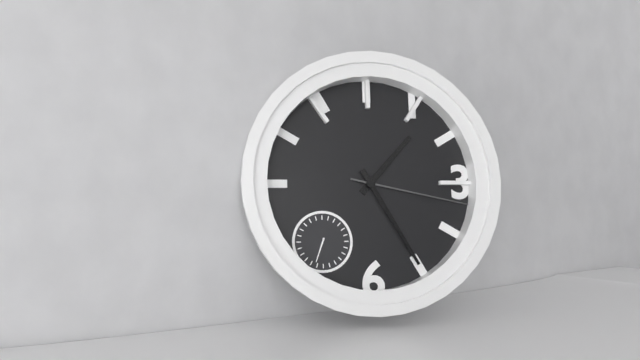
1:25:17
